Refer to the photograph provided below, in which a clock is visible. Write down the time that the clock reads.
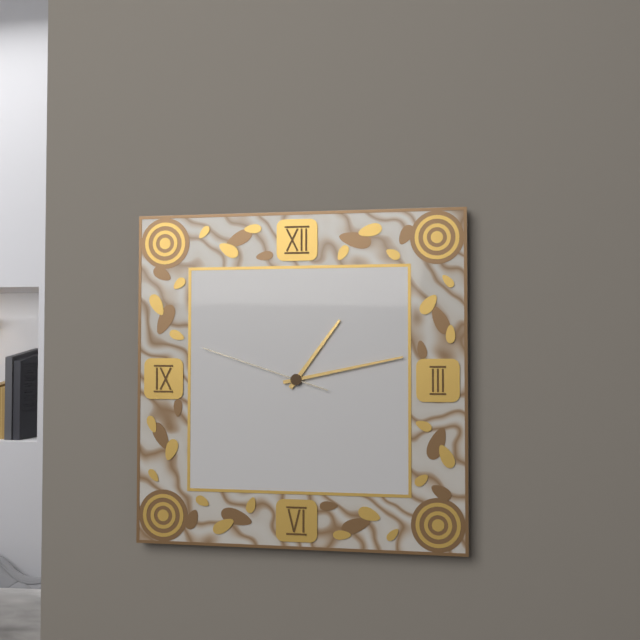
1:13:48
